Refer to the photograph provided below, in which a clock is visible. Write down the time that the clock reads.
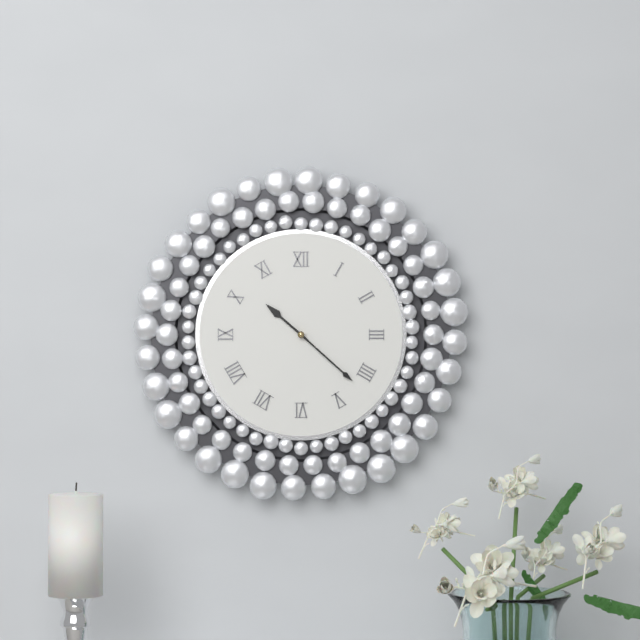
10:22
